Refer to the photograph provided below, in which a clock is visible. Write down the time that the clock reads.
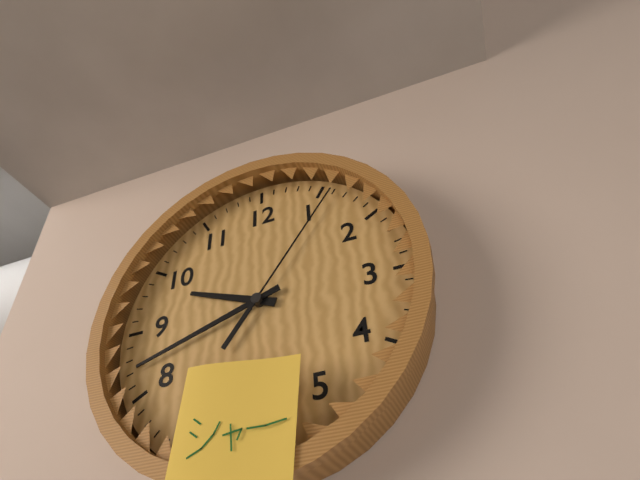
9:42:06
